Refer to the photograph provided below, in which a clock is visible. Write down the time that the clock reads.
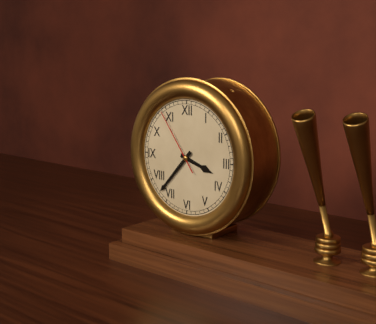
3:37:54
